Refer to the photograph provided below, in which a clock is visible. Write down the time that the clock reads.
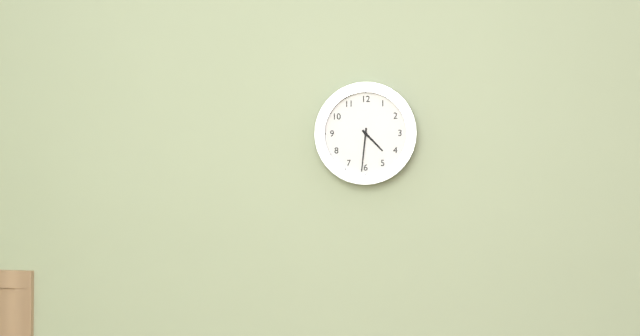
4:31
